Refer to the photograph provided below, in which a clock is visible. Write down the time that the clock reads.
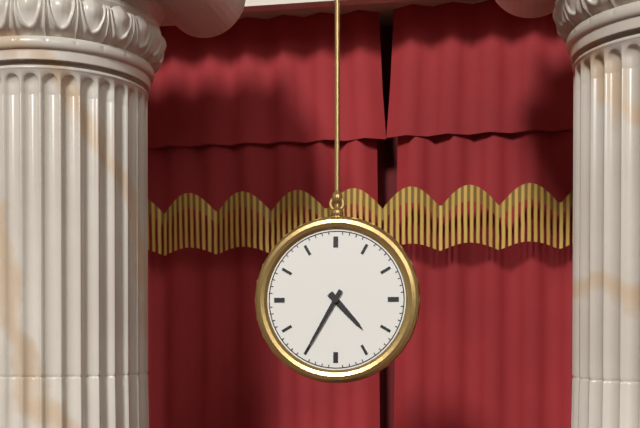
4:35
